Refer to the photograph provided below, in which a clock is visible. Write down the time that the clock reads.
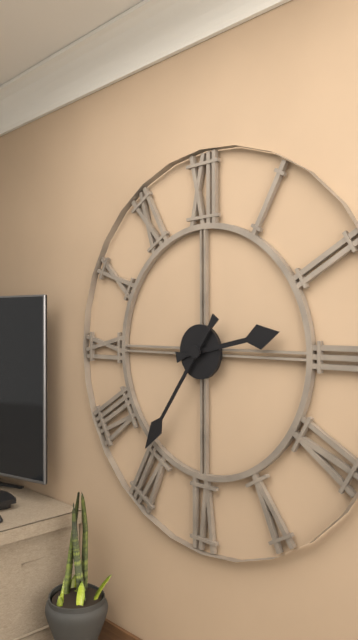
2:36
